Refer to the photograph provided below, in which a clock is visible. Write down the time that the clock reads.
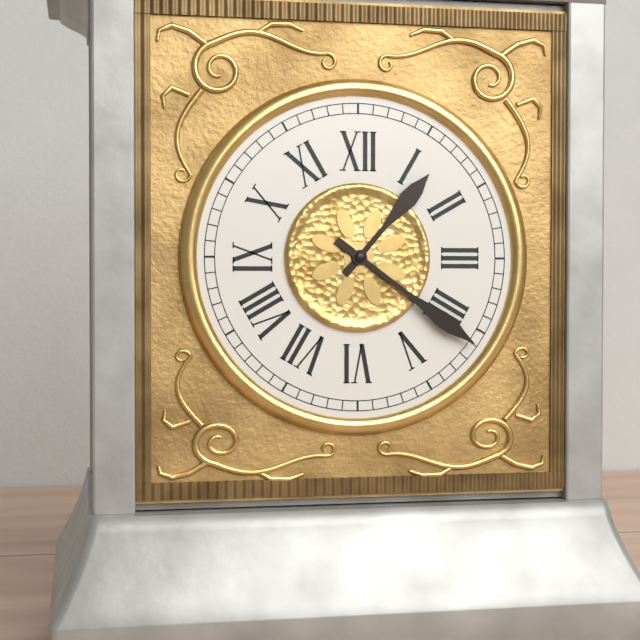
1:21
